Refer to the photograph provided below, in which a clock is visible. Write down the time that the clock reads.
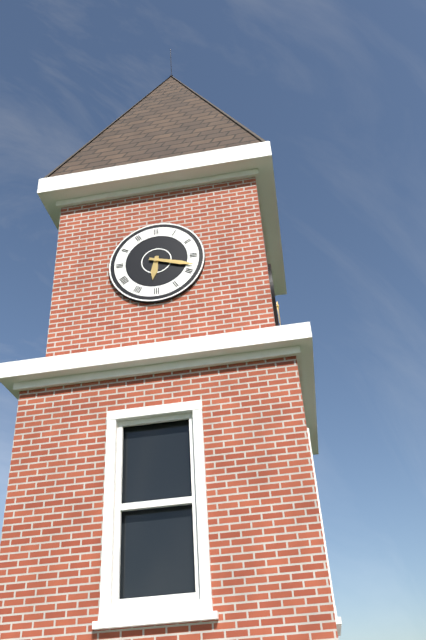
6:18
